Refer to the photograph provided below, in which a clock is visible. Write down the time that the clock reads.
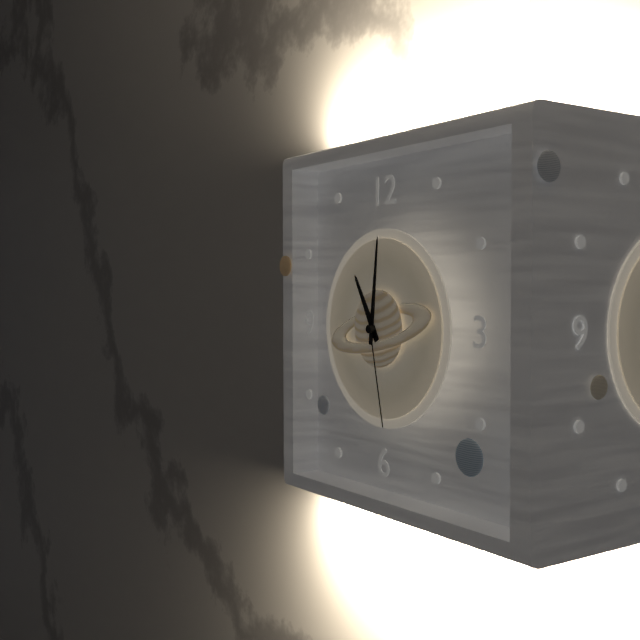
11:01:28
